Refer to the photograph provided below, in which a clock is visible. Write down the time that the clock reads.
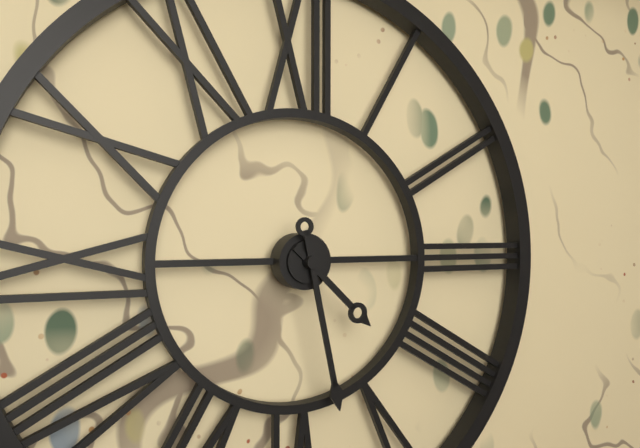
4:28
